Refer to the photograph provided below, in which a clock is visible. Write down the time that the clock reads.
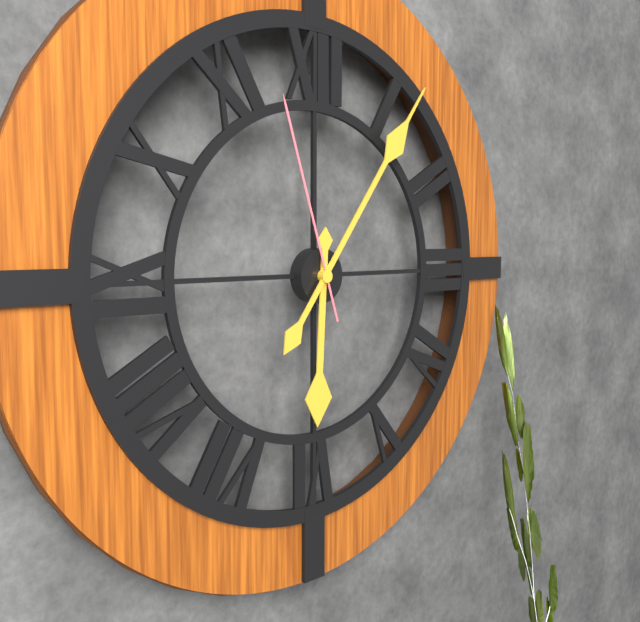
6:06:57
